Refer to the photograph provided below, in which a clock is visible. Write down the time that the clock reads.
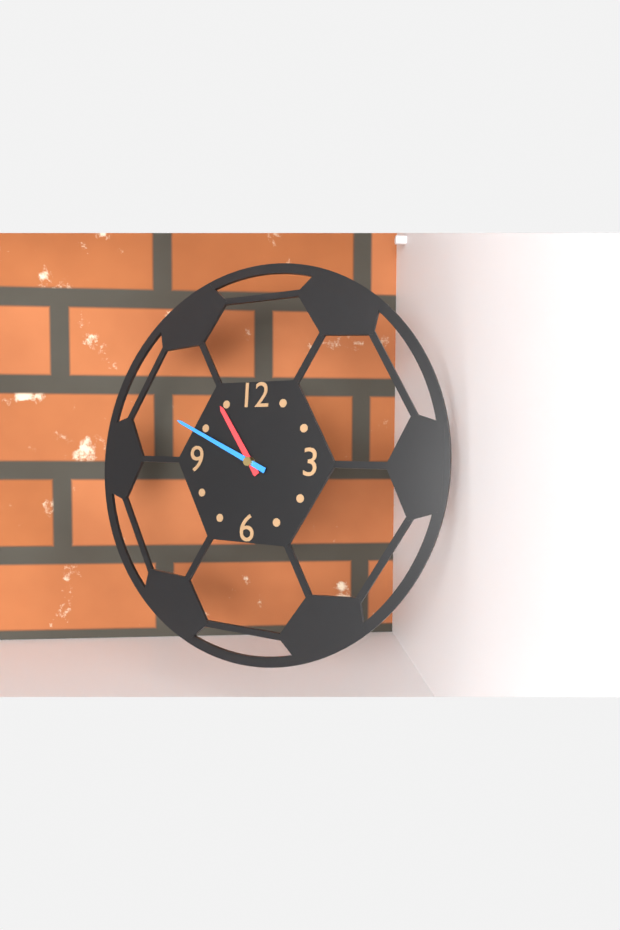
10:49
